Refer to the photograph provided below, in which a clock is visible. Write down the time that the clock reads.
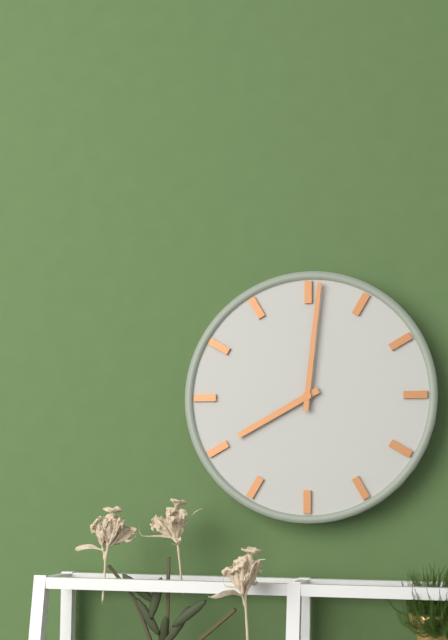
8:01
